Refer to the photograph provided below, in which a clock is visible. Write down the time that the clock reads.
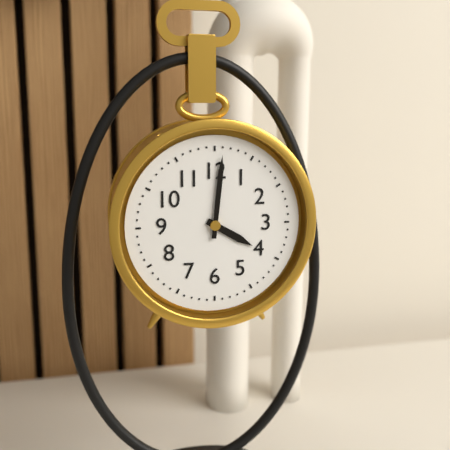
4:01
